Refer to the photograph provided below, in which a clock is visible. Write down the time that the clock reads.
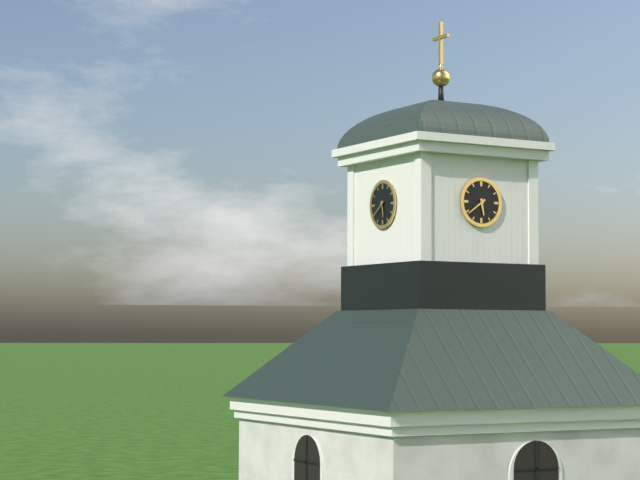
5:39
